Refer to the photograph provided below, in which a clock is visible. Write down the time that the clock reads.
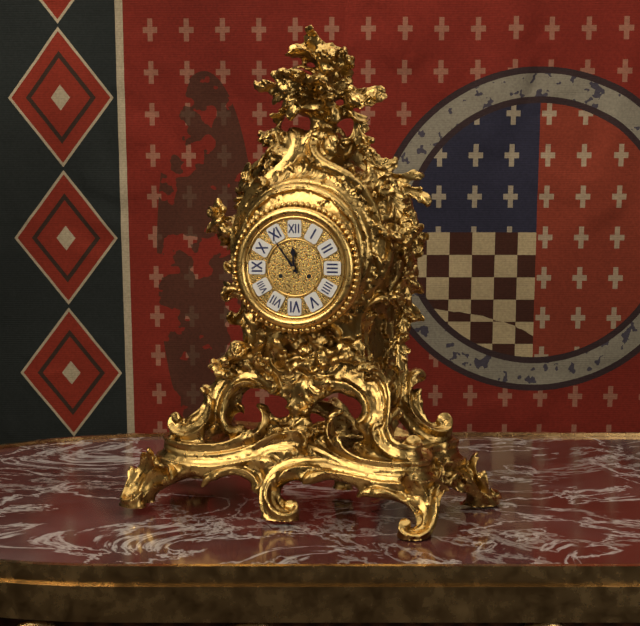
11:54
